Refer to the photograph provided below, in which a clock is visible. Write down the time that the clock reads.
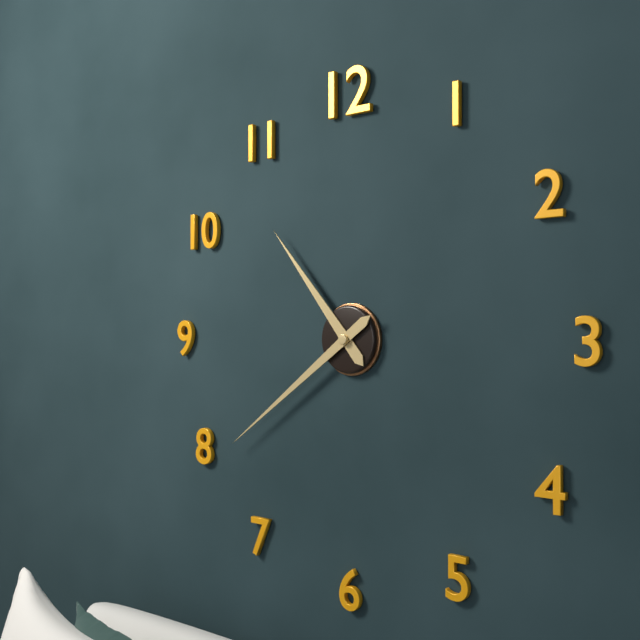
10:39
